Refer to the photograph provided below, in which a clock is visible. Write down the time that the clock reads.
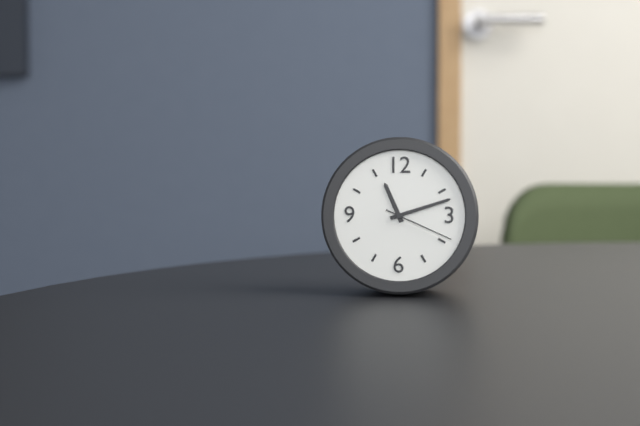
11:12:19
